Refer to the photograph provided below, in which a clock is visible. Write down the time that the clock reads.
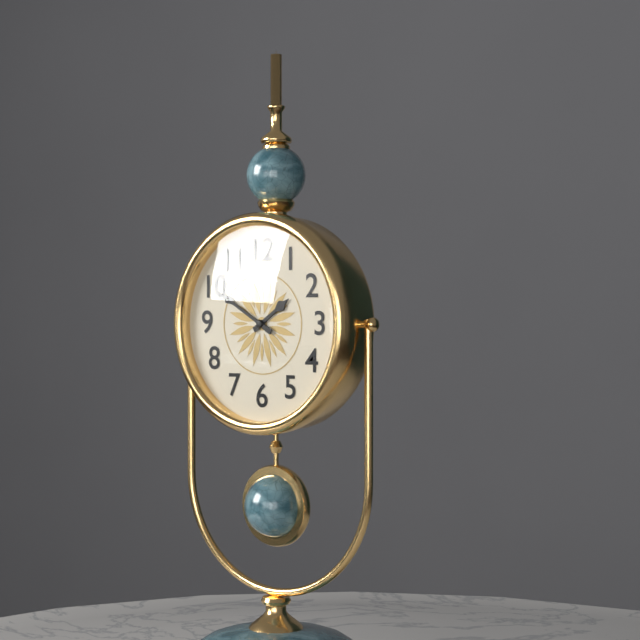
1:50
